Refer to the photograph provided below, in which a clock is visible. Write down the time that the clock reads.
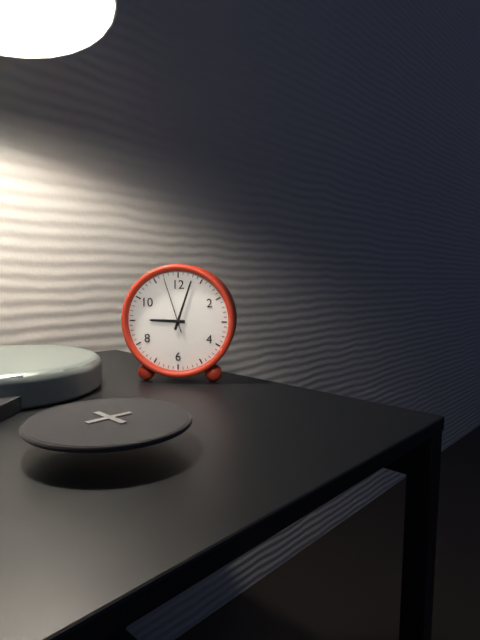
9:03:57
